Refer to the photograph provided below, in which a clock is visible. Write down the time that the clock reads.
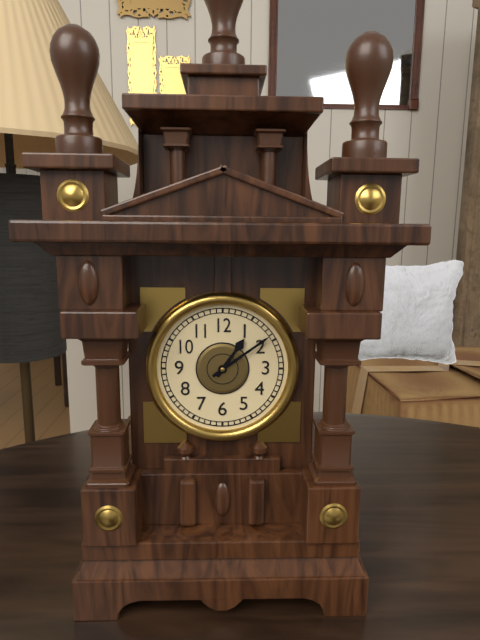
1:09
